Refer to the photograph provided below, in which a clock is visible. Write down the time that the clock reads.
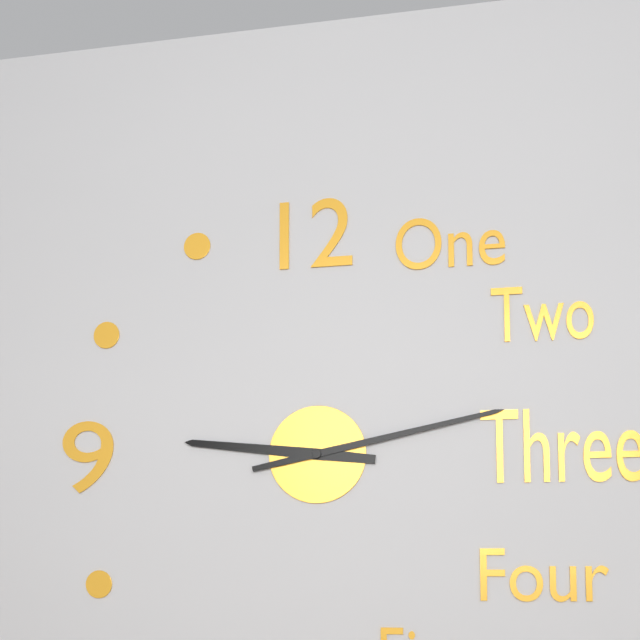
9:13
